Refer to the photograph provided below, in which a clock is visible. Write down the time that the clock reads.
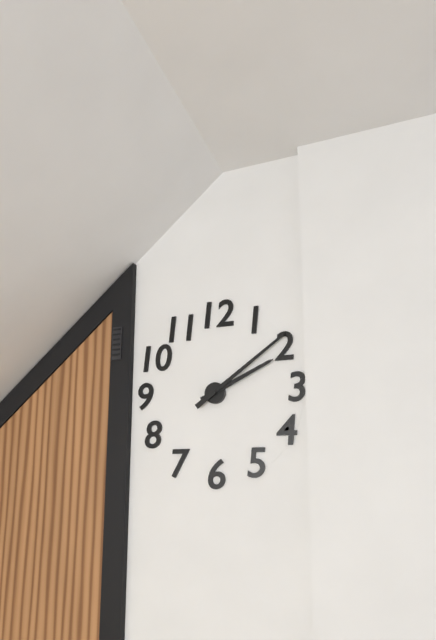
2:09
